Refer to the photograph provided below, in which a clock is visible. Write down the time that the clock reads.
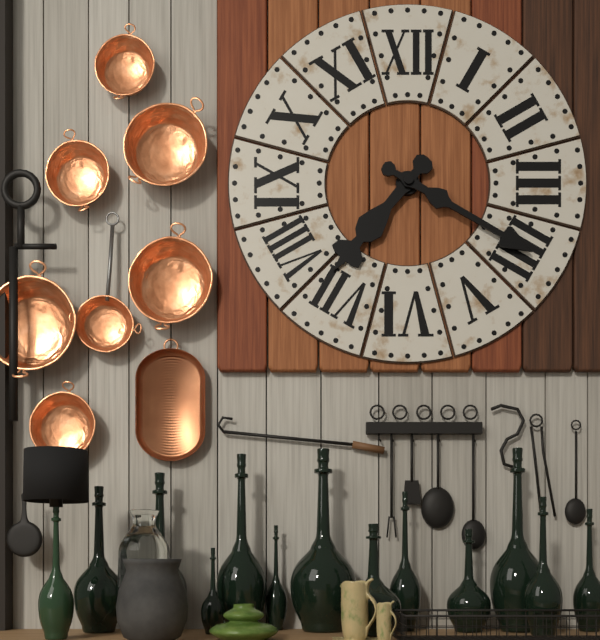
7:20
